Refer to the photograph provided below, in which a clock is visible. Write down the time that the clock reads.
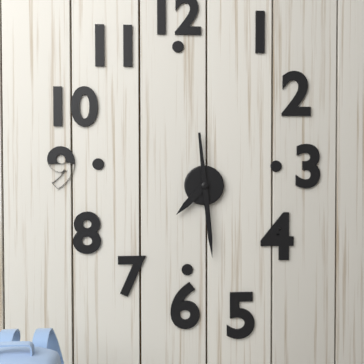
7:29
